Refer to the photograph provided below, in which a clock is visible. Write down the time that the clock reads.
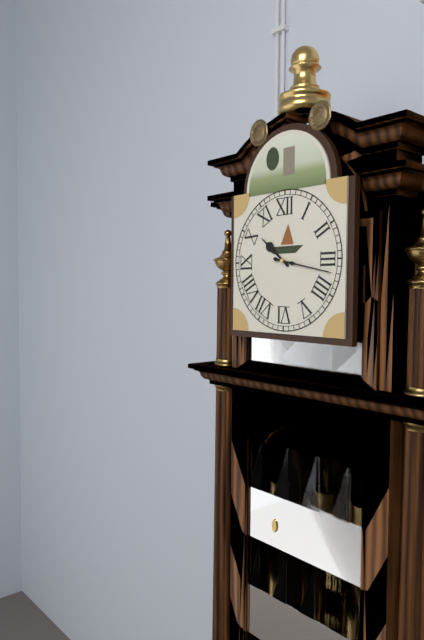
10:17
